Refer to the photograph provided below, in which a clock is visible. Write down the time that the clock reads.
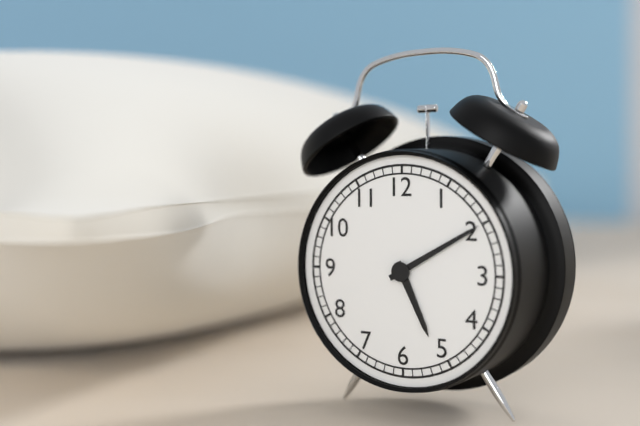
5:10
